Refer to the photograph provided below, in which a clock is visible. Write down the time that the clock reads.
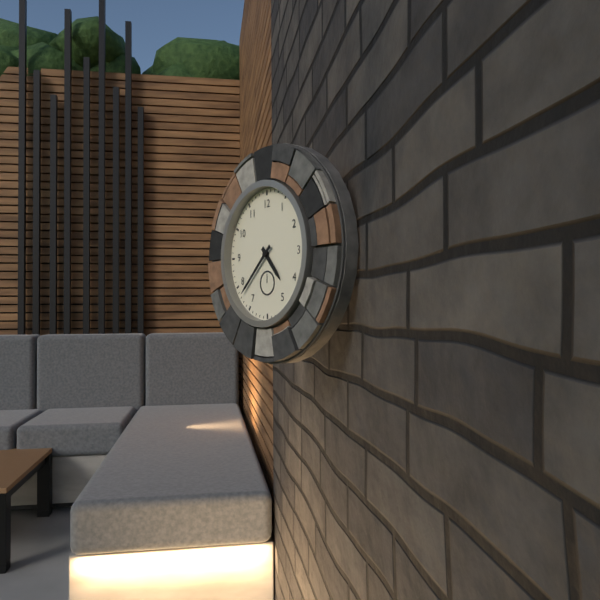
4:38
